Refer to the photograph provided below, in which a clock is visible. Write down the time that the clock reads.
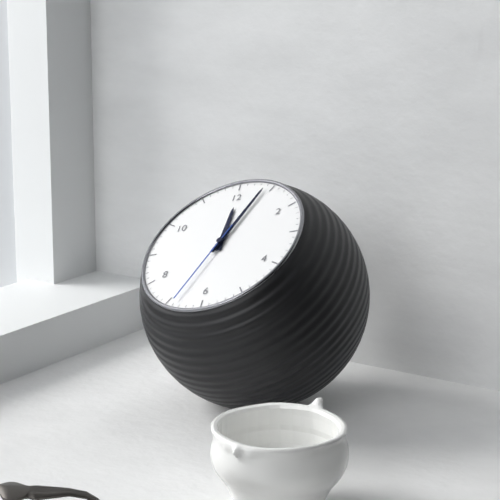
12:04:34
